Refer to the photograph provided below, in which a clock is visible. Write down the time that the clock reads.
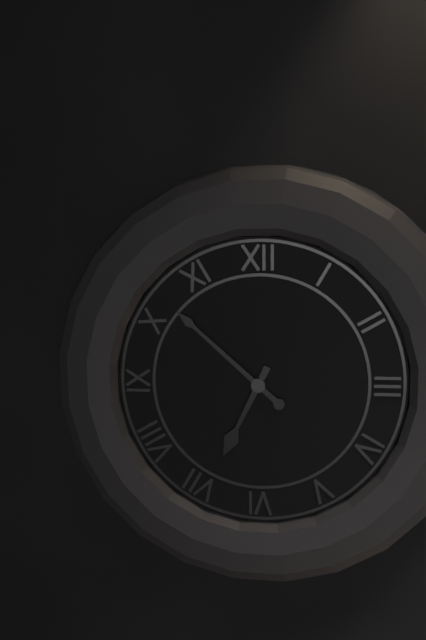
6:52
